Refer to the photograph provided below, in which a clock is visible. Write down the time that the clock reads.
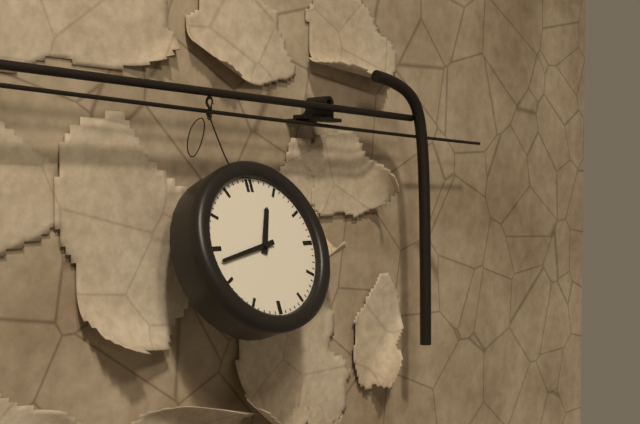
12:43
